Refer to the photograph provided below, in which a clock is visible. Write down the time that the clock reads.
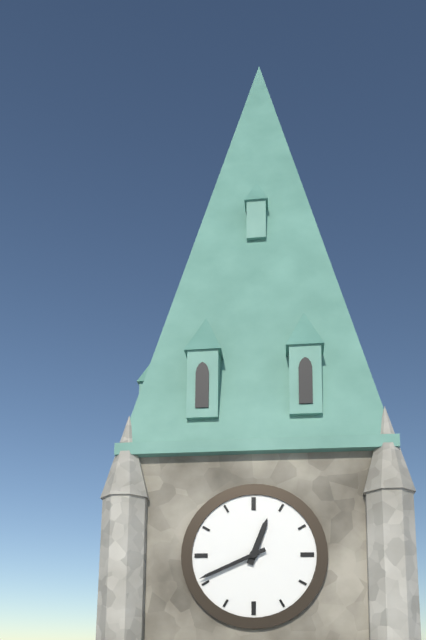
12:41
